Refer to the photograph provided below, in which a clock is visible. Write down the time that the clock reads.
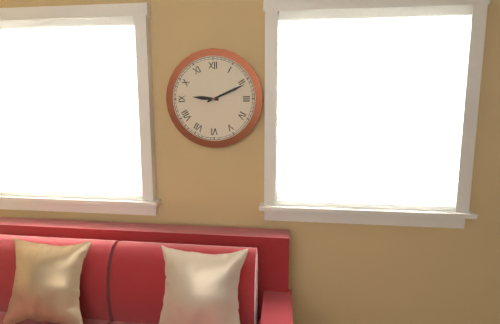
9:11
